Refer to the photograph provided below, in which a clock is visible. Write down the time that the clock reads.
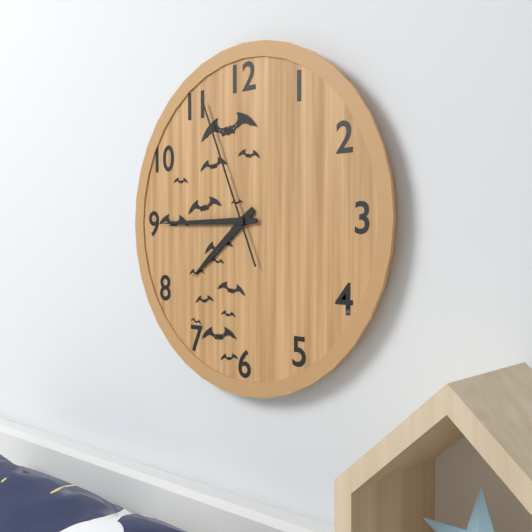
7:45:56
